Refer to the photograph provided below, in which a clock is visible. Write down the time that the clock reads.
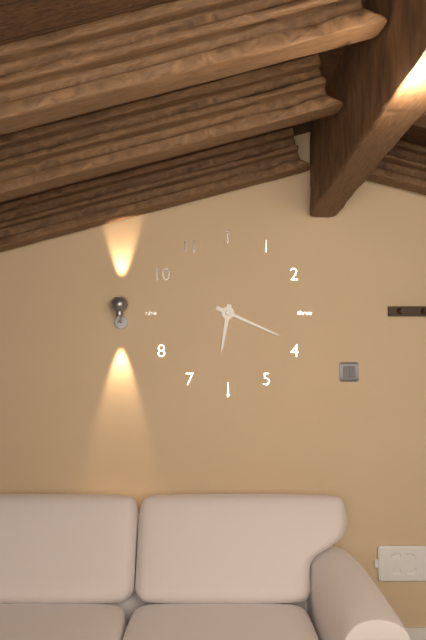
6:19
